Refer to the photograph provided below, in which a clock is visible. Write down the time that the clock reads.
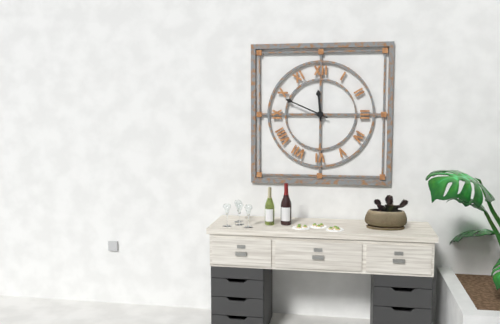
11:49
